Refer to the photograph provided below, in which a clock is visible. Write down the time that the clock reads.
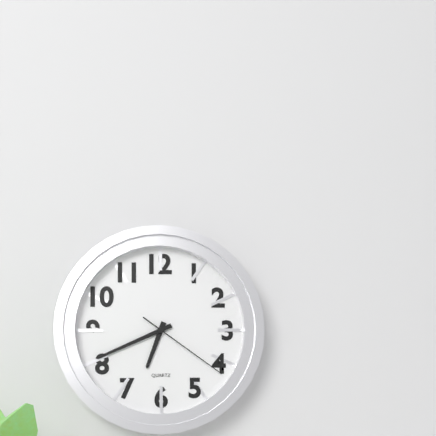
6:41:21
